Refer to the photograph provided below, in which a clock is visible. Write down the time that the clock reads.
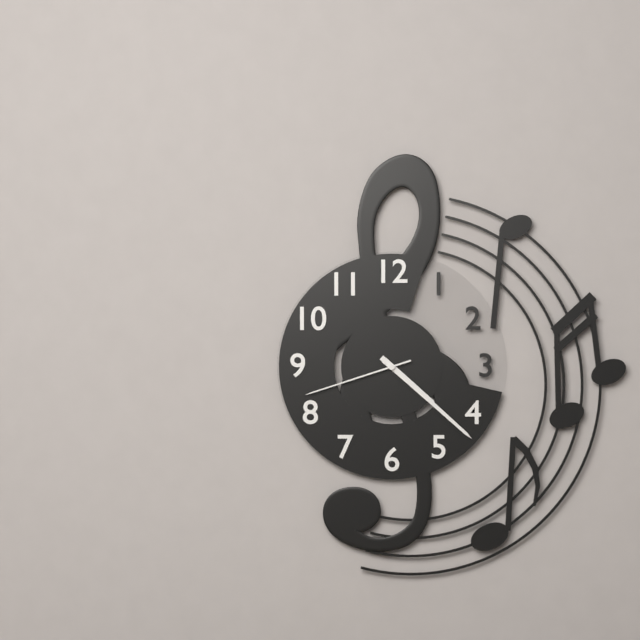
4:22:42
